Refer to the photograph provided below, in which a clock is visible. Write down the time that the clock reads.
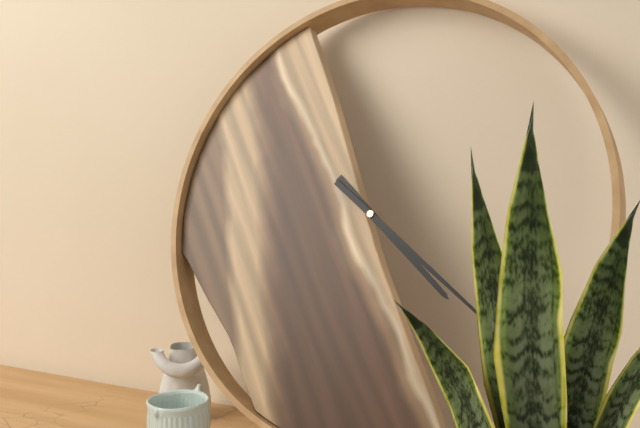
4:21
